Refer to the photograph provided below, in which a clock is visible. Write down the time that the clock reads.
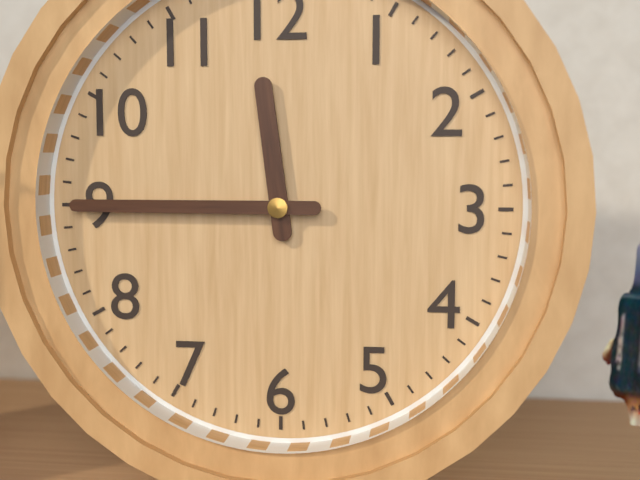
11:45
